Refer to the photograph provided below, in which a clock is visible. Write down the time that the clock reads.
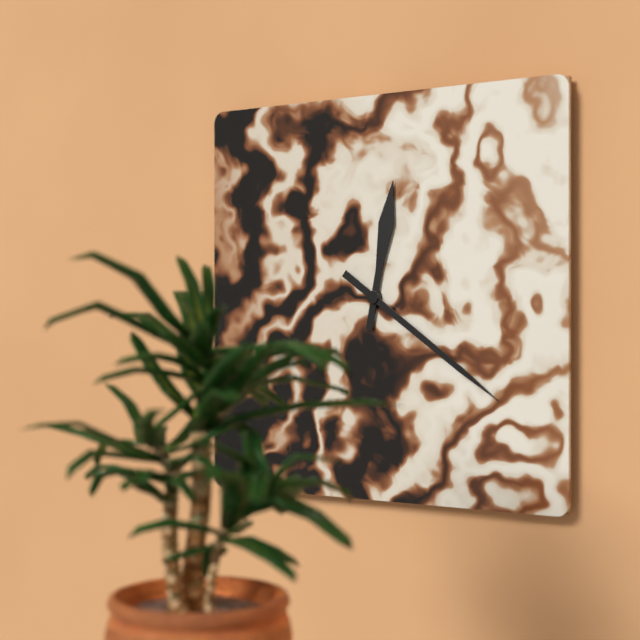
12:21
